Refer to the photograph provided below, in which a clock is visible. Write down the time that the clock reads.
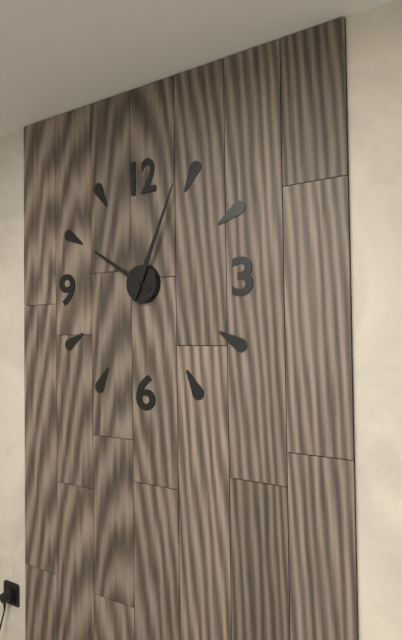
10:04
